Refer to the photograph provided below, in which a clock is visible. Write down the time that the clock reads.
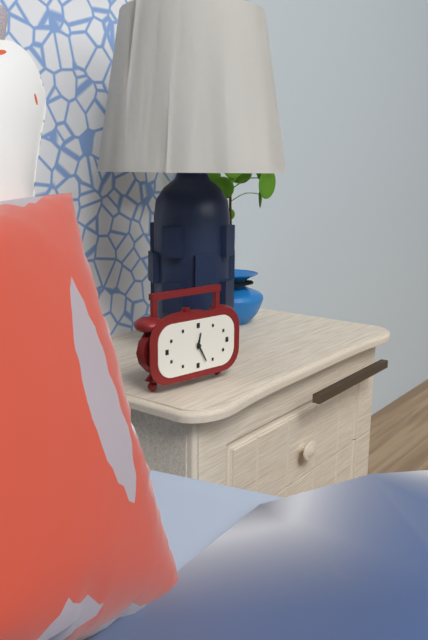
12:25
